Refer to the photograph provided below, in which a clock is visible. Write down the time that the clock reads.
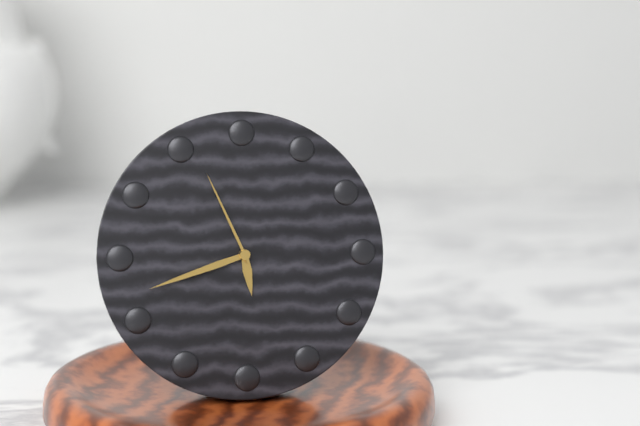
5:42:56
